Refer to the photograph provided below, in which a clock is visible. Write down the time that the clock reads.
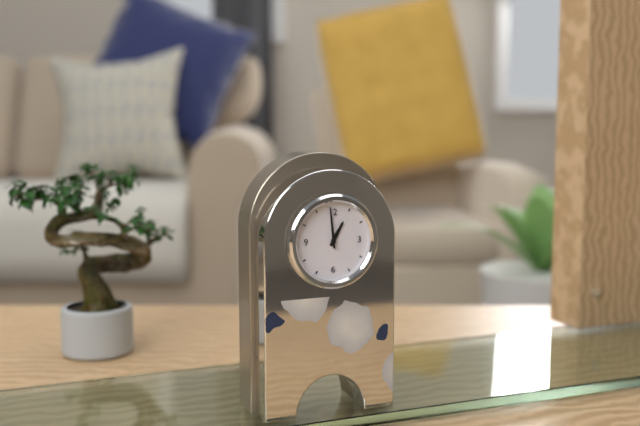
12:59
